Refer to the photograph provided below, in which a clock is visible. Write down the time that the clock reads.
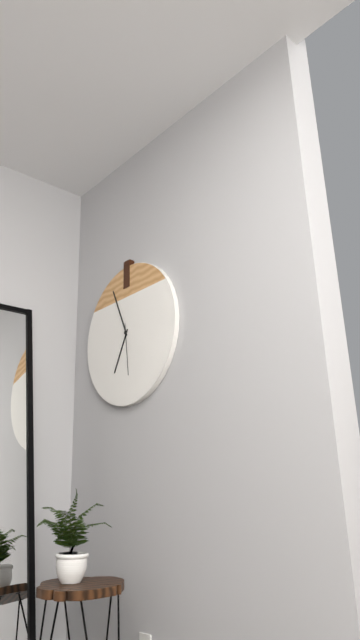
6:56:29
